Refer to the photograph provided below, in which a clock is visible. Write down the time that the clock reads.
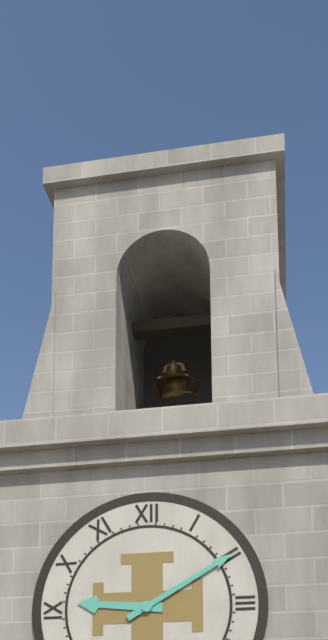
9:10
